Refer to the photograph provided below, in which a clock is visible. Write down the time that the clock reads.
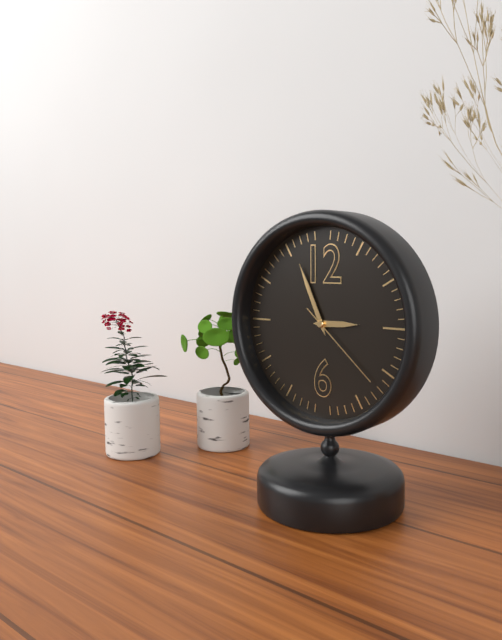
2:56:22
